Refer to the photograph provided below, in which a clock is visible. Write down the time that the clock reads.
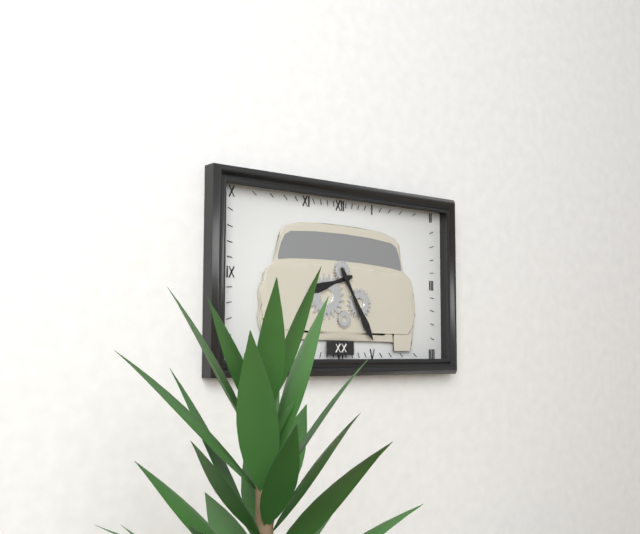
8:25
